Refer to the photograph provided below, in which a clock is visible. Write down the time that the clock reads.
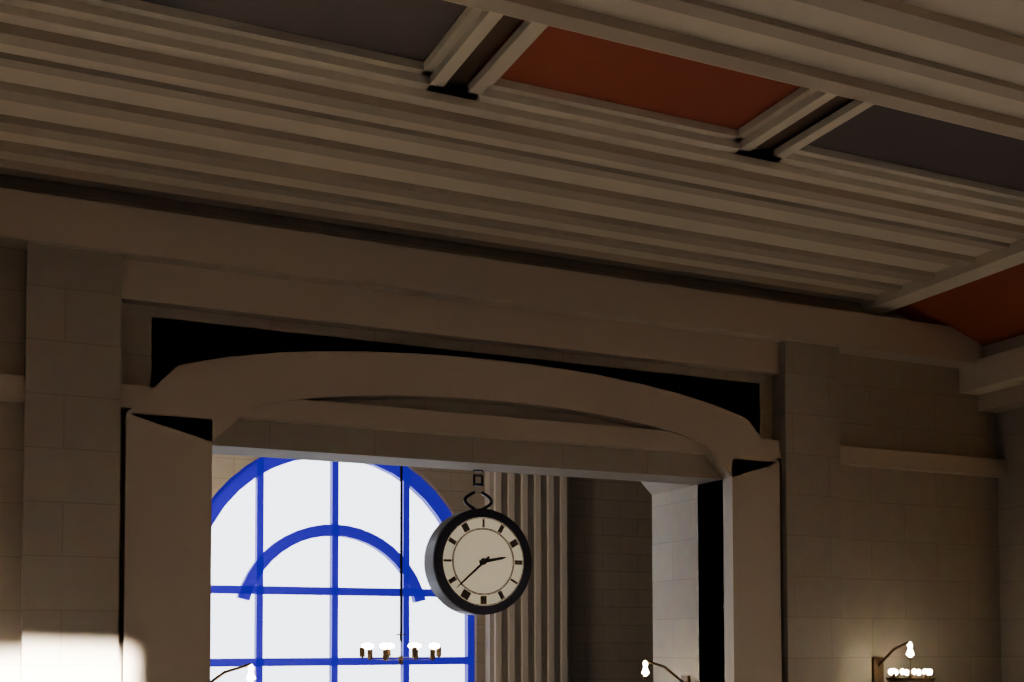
2:38
